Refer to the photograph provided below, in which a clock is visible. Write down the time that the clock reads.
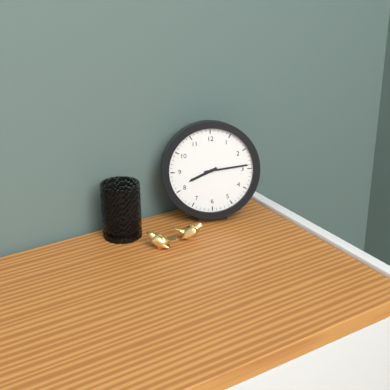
8:14
